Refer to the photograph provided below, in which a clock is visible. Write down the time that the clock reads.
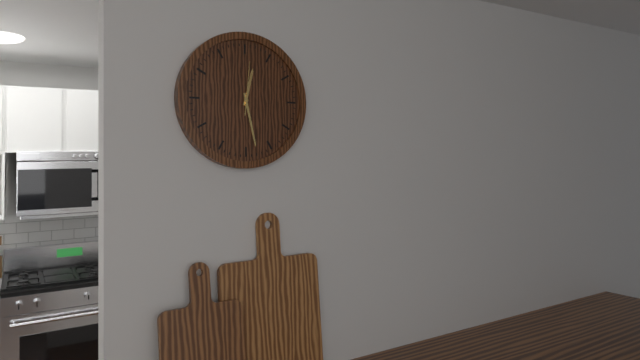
12:28
